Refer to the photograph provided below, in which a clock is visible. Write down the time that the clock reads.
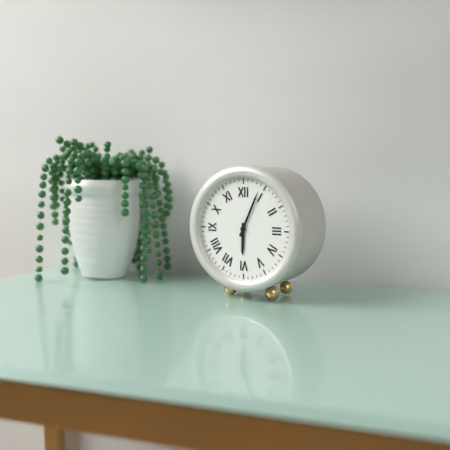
6:04
